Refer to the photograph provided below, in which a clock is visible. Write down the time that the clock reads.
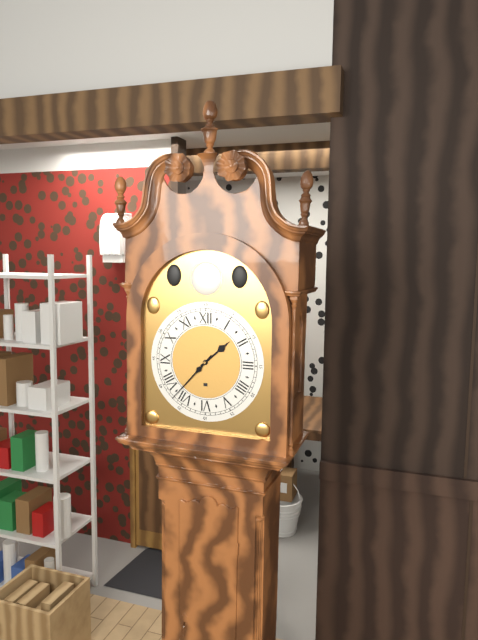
1:37
